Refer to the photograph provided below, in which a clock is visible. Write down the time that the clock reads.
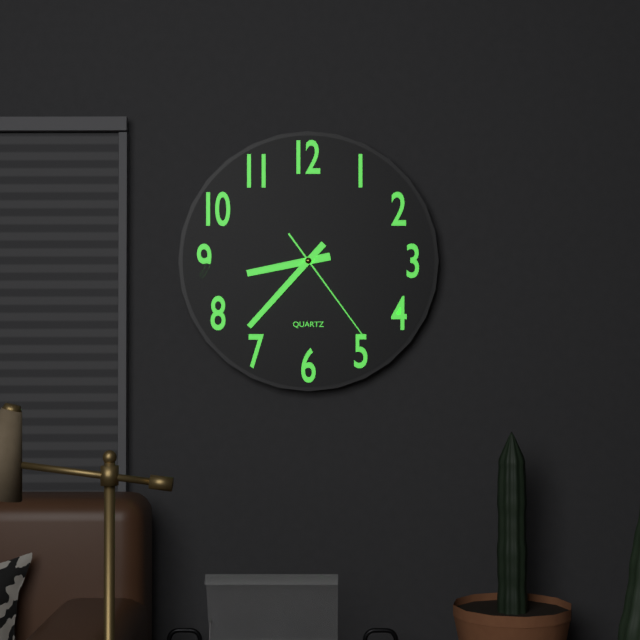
8:37:24
